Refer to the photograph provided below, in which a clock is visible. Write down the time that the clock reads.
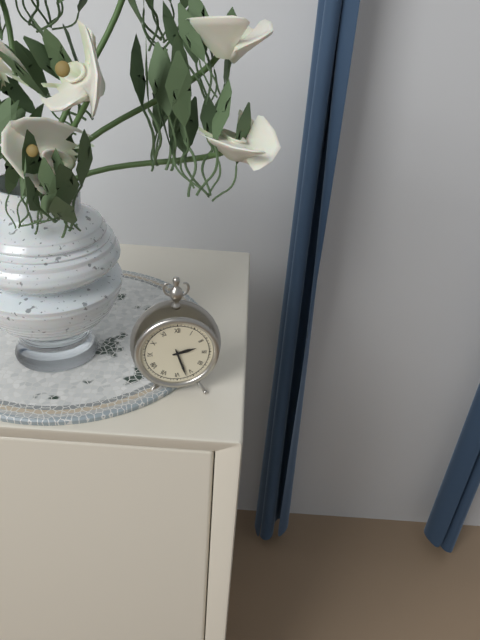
2:27
